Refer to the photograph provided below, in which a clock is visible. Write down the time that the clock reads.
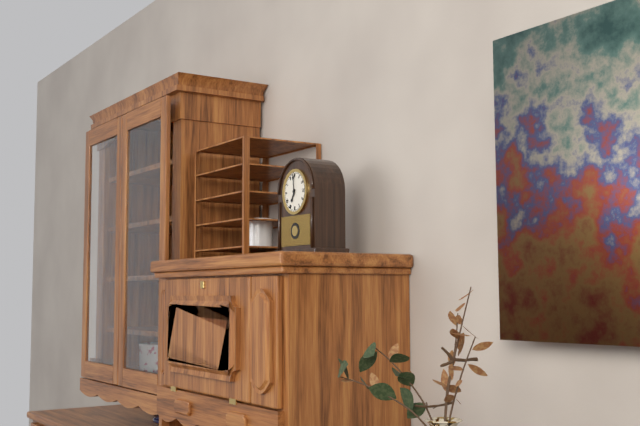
6:59
